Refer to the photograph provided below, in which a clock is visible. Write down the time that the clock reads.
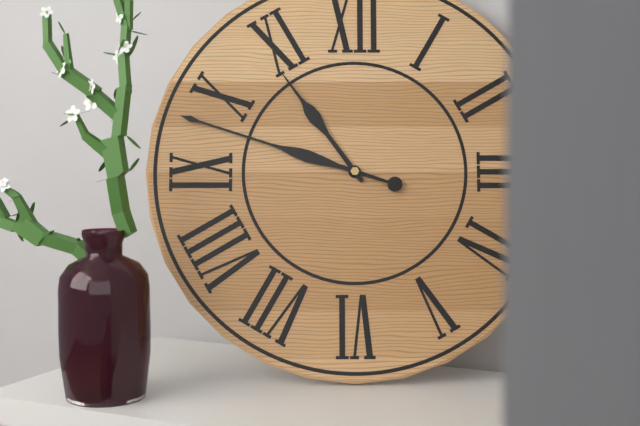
10:48
